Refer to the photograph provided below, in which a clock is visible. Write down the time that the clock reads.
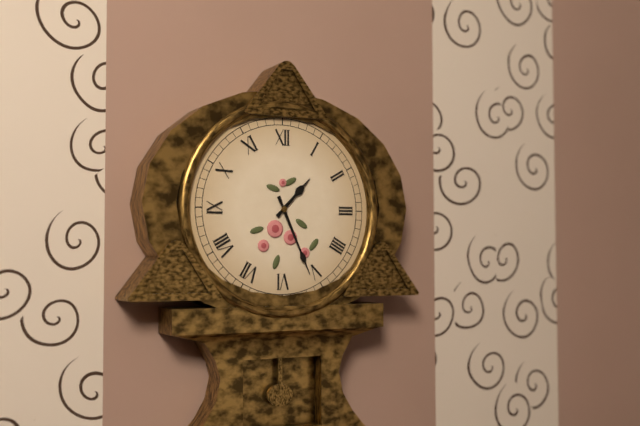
1:26
